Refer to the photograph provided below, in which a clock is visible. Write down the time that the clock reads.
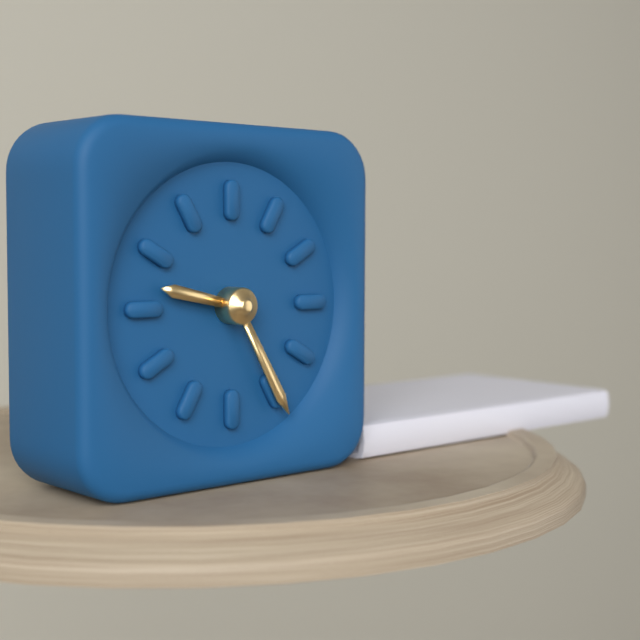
9:25
